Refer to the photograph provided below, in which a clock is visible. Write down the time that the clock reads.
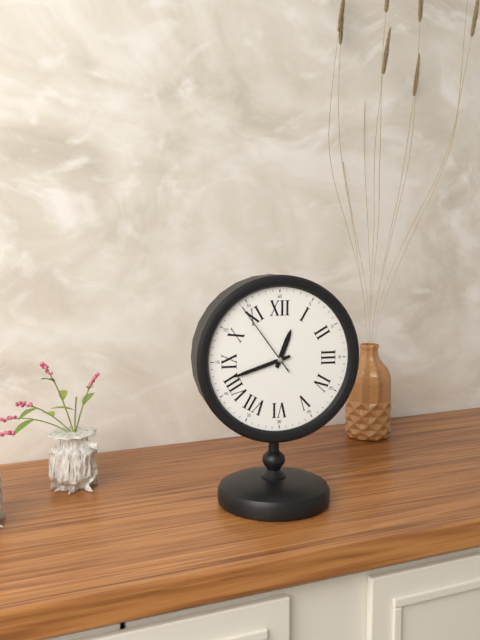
12:42:54
